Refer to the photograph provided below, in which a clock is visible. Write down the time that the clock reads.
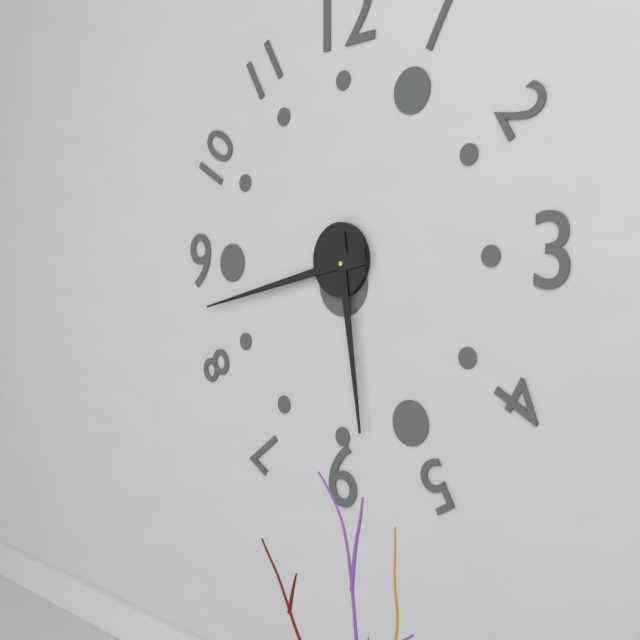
5:43
